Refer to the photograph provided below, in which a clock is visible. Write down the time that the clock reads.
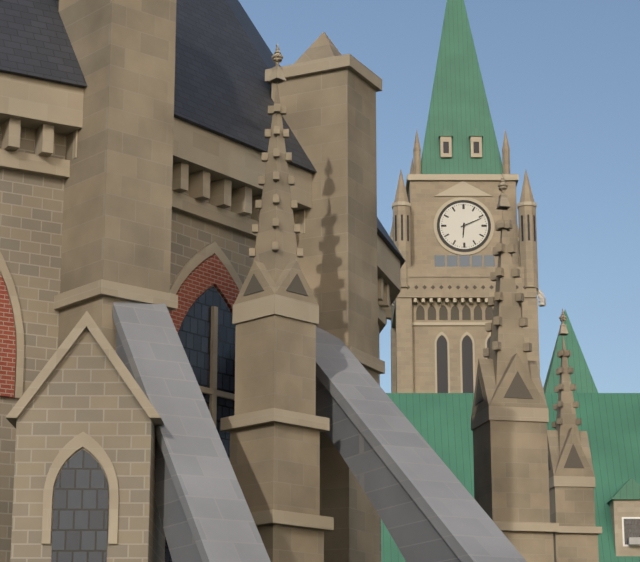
6:11
